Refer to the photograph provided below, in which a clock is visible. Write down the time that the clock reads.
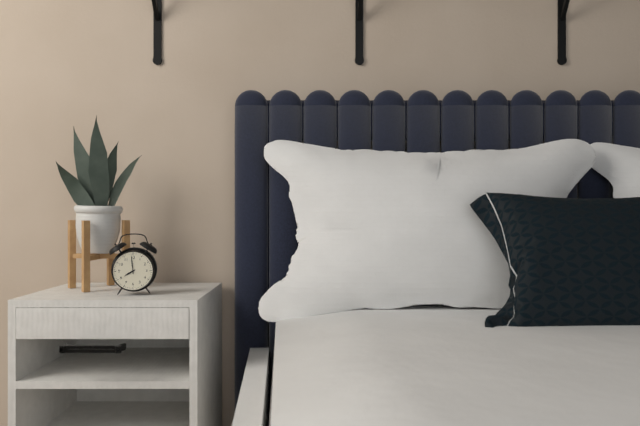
7:59
